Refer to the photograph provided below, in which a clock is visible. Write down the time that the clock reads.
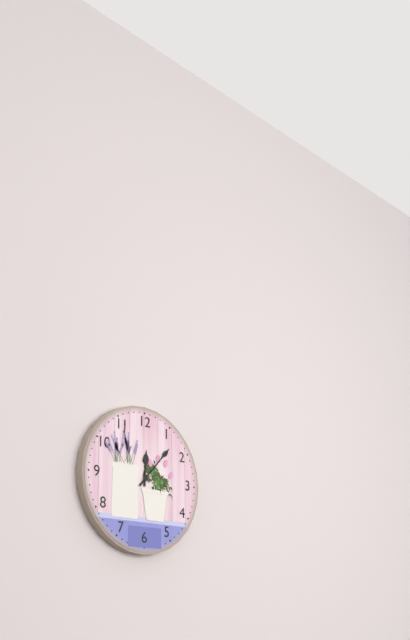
12:07
